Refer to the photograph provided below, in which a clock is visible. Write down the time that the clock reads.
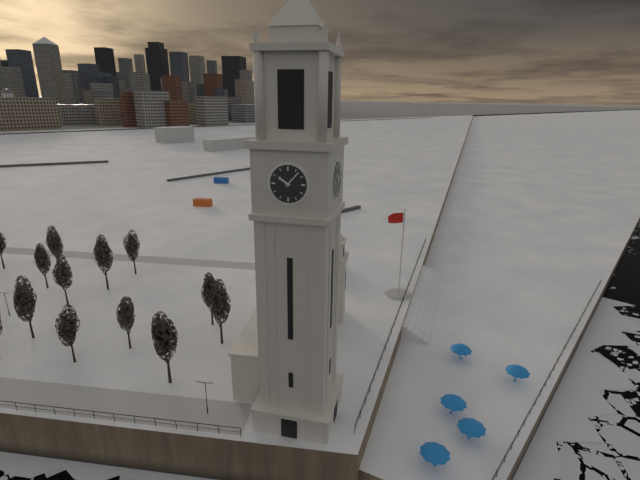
10:07
